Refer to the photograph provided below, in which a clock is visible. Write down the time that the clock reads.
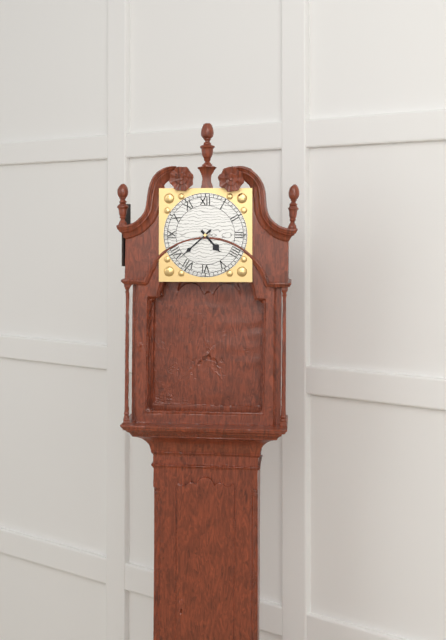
4:38
